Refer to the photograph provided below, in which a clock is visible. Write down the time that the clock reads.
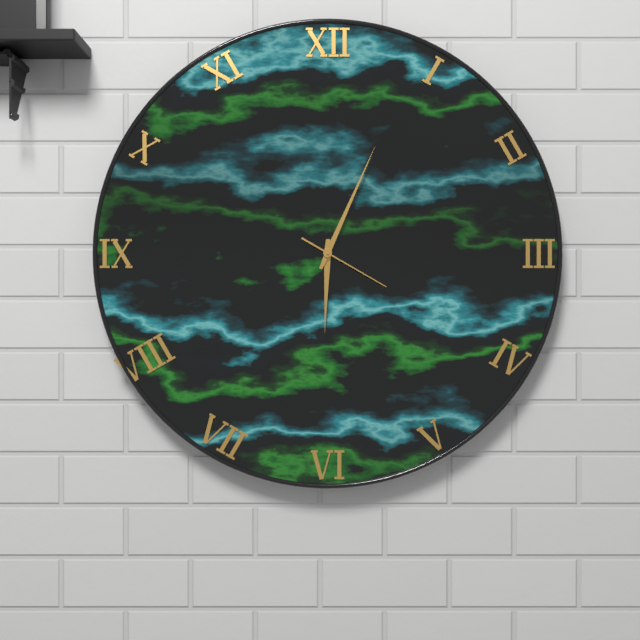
6:04:20
